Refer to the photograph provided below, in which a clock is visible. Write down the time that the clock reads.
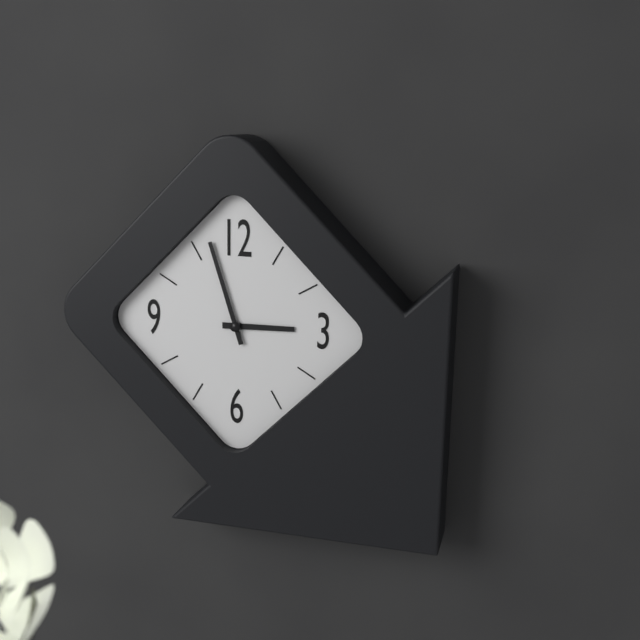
2:57
